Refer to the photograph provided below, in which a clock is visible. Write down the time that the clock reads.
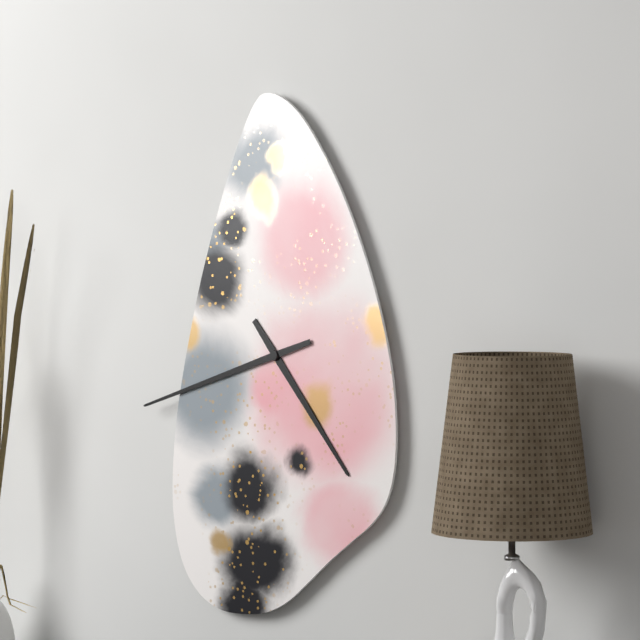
4:42
